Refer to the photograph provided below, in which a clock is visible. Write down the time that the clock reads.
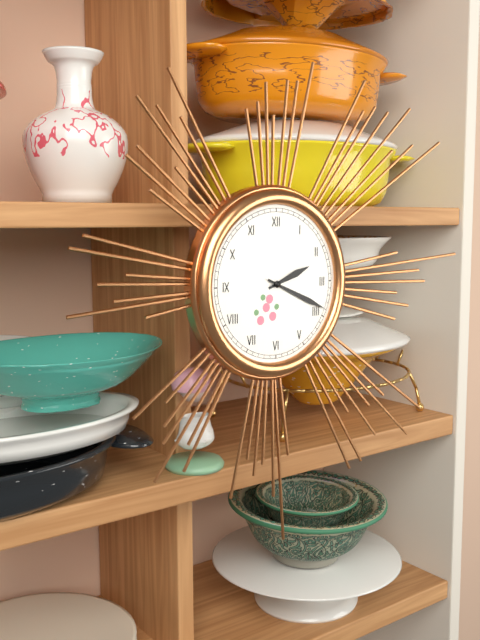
2:19
